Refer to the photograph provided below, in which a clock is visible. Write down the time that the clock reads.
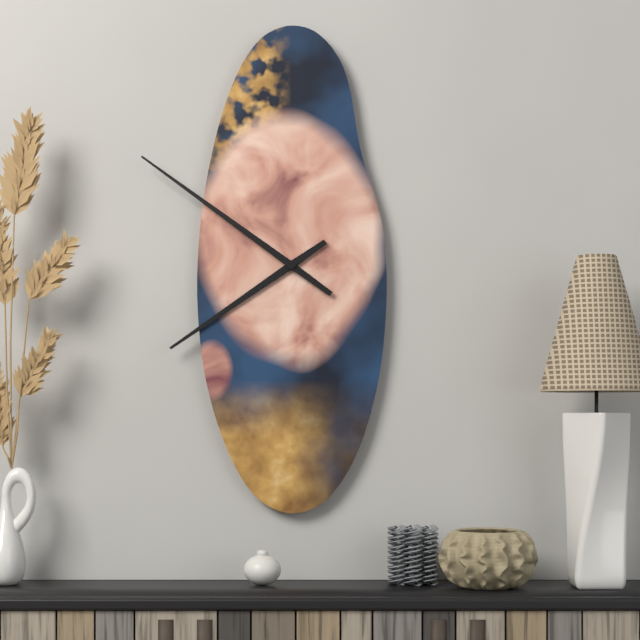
7:51
